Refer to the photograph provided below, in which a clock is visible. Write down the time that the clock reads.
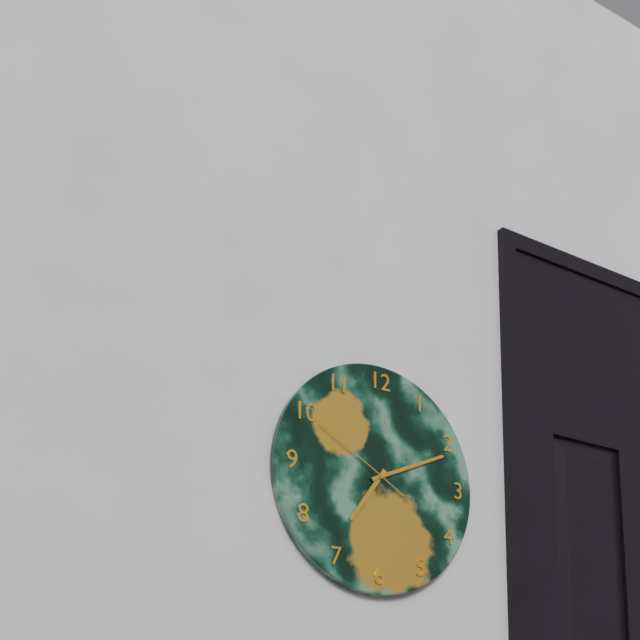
7:11:50
